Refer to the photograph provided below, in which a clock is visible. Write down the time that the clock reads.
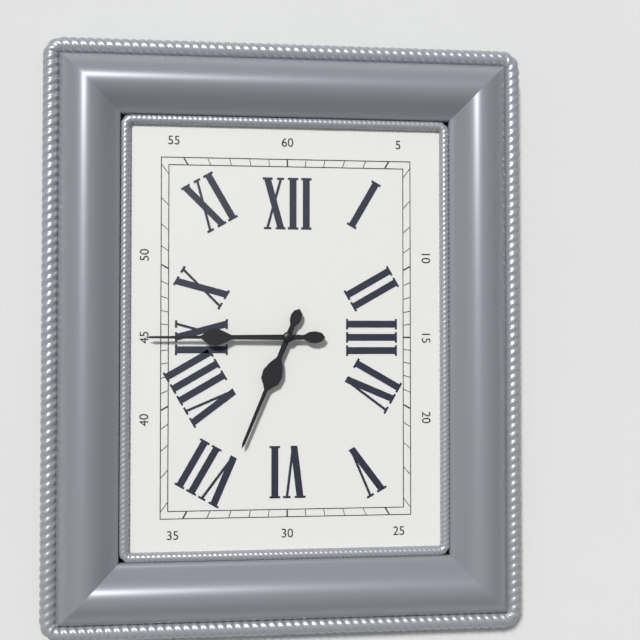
6:45
